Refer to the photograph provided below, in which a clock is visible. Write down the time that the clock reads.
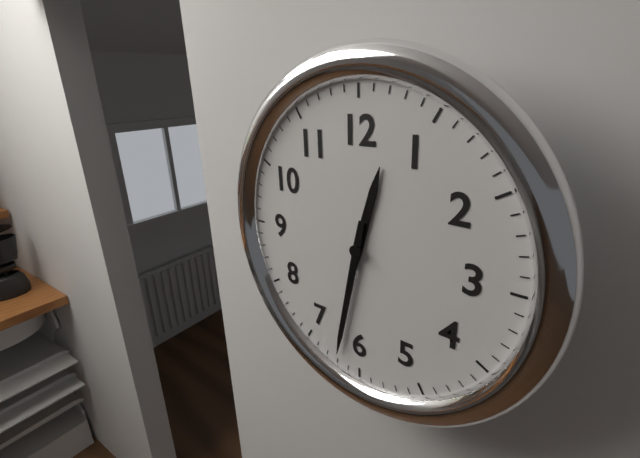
12:32
